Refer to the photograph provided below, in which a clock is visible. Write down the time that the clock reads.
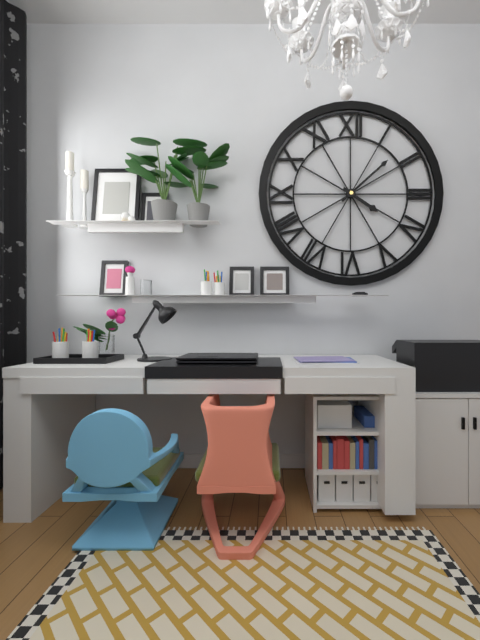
4:08
